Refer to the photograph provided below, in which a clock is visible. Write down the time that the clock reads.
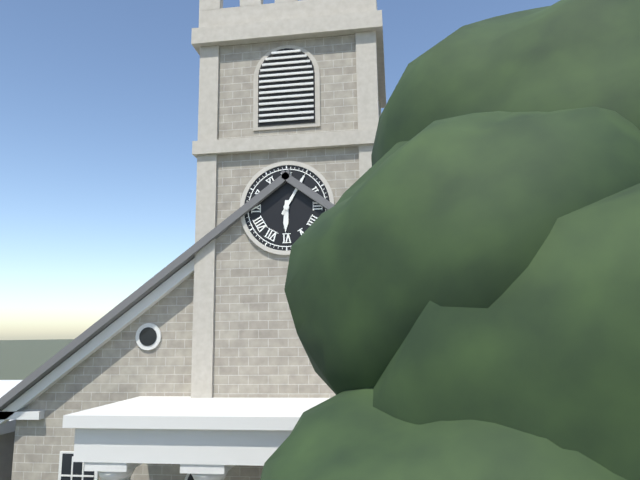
6:05
